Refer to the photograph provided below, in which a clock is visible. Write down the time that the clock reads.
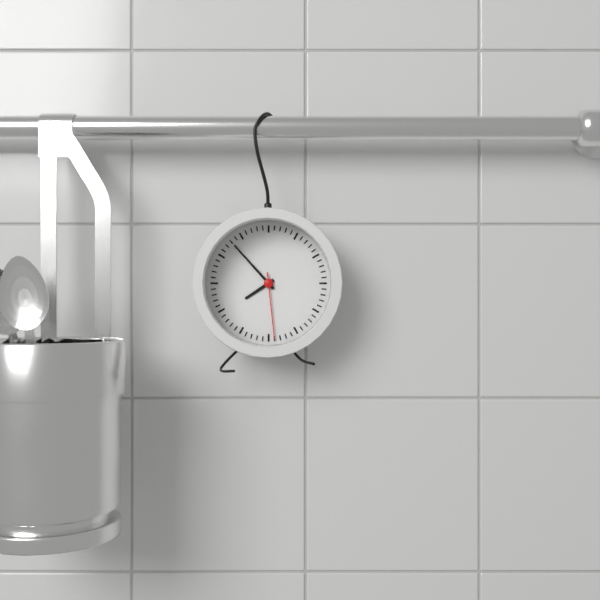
7:53:29
